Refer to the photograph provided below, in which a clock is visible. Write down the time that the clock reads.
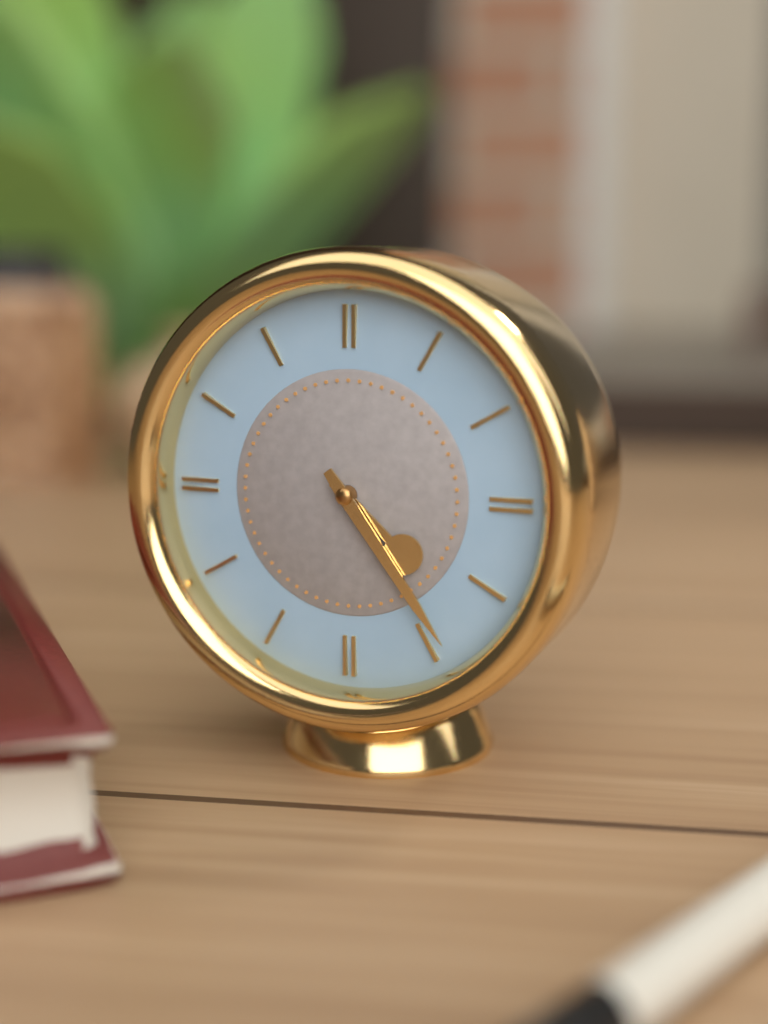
4:24
